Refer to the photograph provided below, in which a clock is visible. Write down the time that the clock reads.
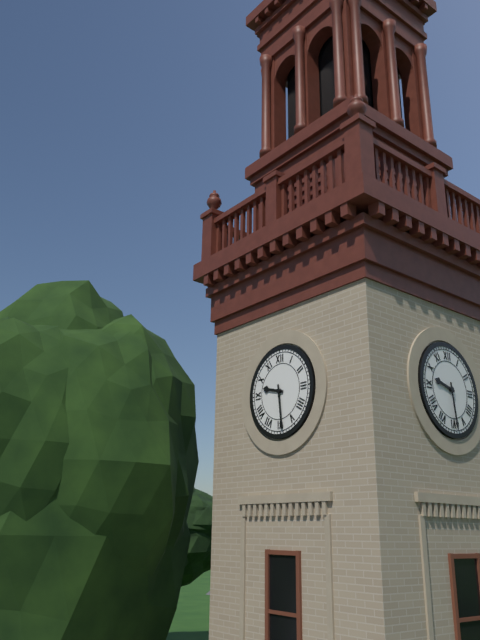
9:29
